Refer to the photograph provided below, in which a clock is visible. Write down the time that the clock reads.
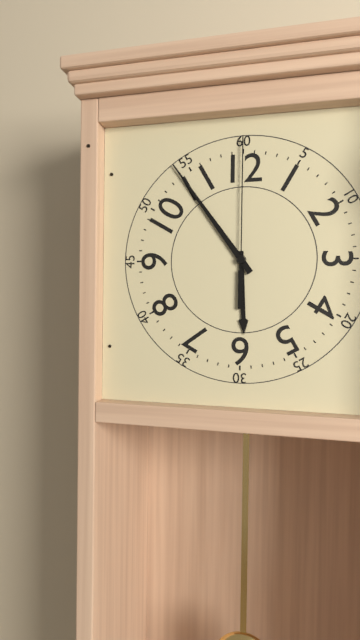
5:54:00
